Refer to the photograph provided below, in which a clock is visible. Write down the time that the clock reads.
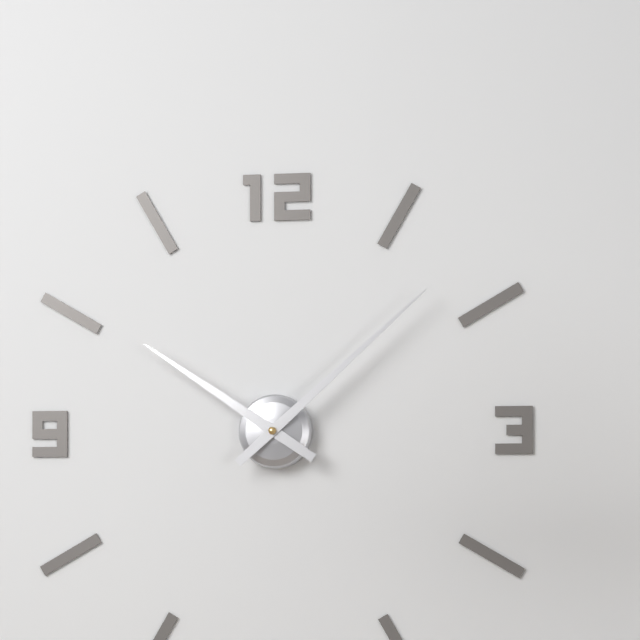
10:08
